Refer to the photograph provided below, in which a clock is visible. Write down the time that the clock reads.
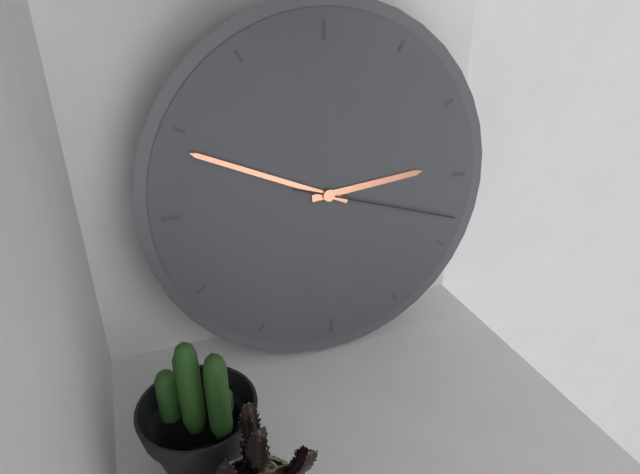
2:49:18
